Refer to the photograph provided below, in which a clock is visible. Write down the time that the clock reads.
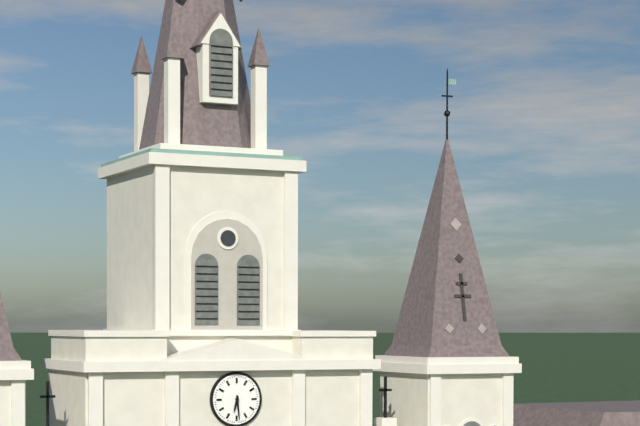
6:29
